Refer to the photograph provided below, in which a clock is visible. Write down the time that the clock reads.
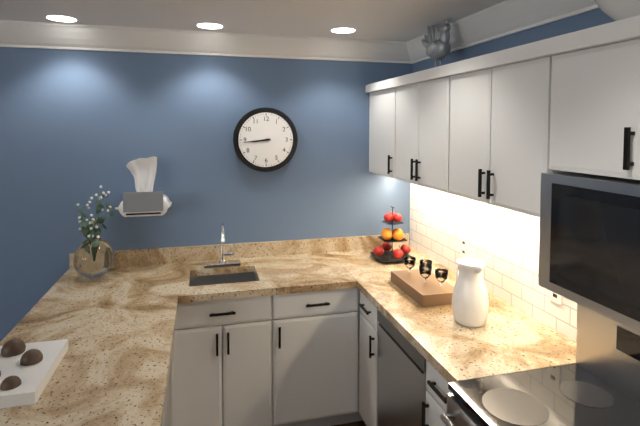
8:44
